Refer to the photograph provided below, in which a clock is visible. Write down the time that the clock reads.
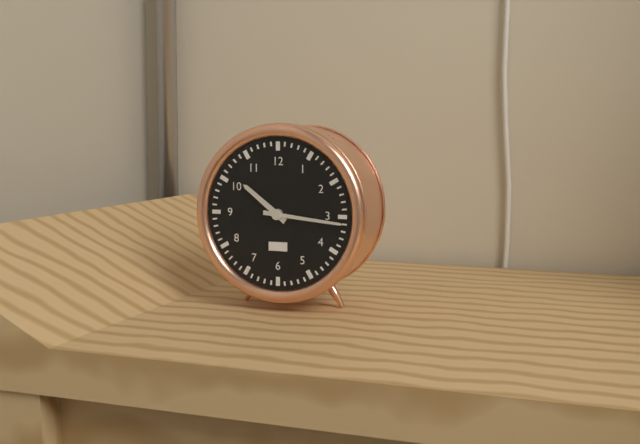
10:16
